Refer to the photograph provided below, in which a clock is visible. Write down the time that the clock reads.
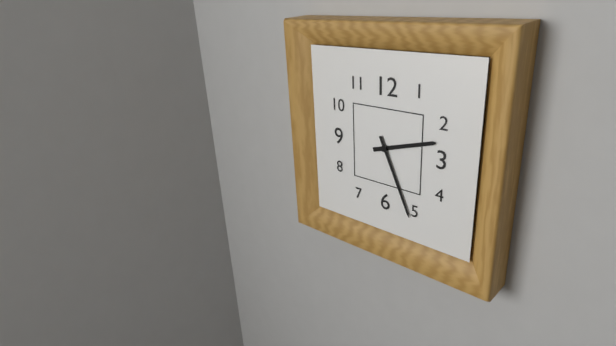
2:26
